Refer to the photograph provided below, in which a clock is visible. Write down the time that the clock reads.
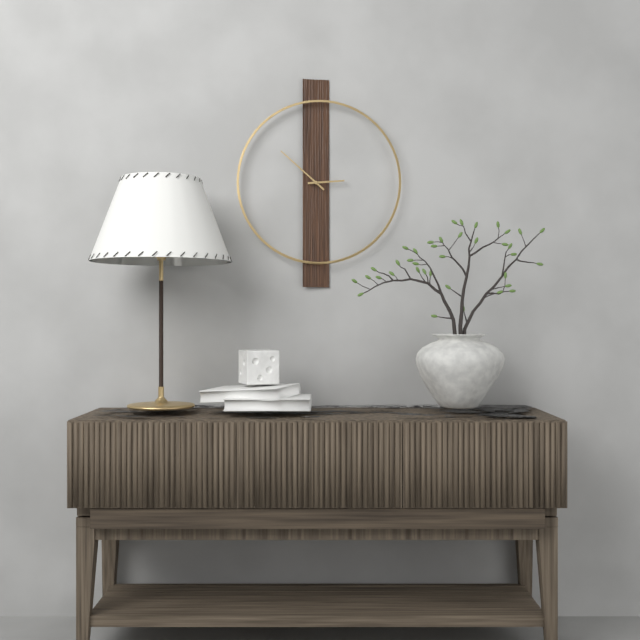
2:52
